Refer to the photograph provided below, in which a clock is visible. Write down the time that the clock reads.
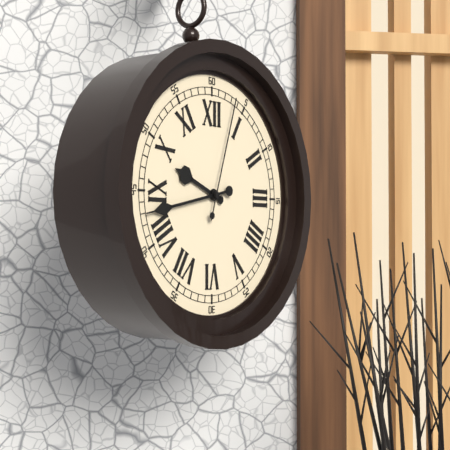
9:43:03
